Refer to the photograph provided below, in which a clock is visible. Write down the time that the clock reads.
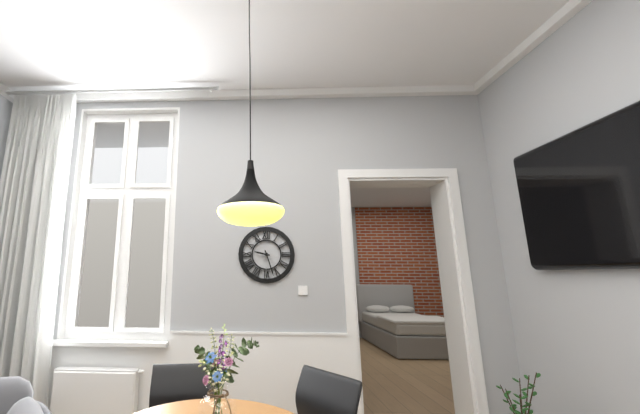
9:27
